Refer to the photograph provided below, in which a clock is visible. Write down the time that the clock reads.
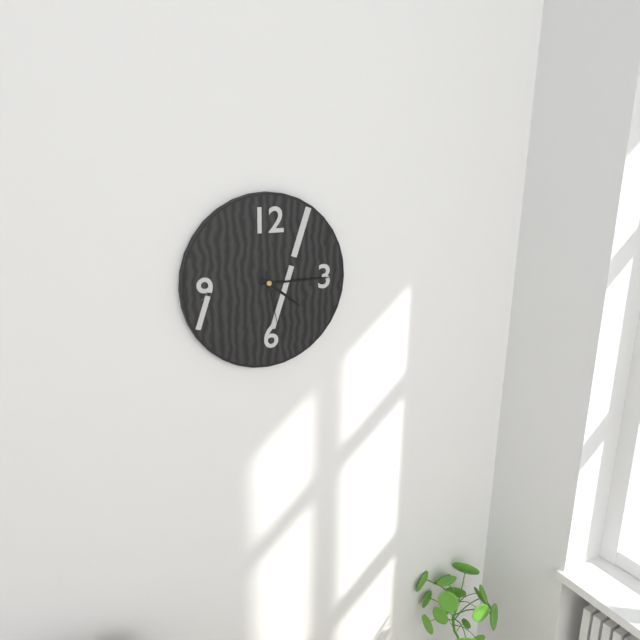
4:15:28
